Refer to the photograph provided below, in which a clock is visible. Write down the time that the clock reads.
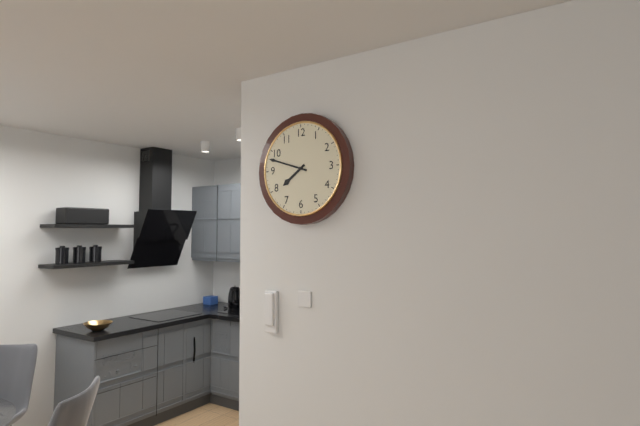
7:48
